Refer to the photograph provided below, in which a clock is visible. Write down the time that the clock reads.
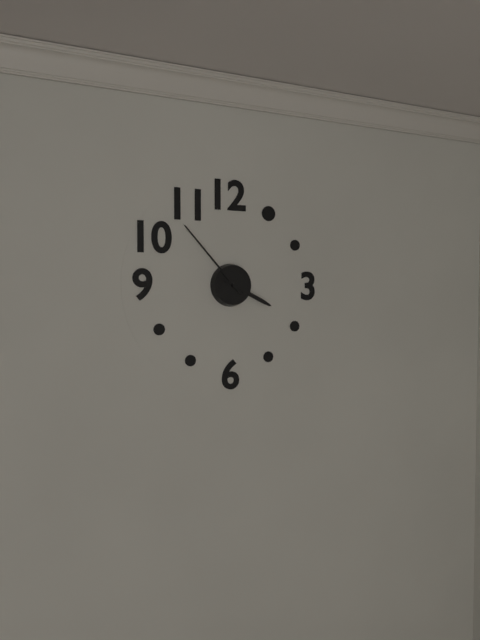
3:53
